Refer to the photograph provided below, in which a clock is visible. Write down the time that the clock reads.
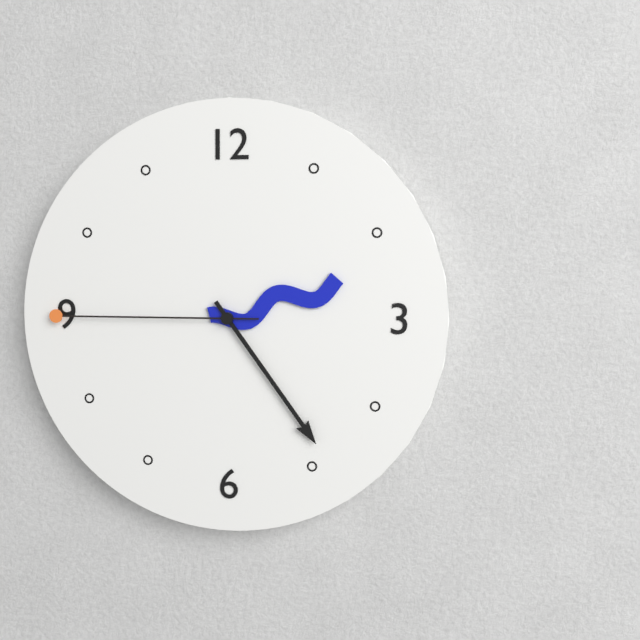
2:24:45
